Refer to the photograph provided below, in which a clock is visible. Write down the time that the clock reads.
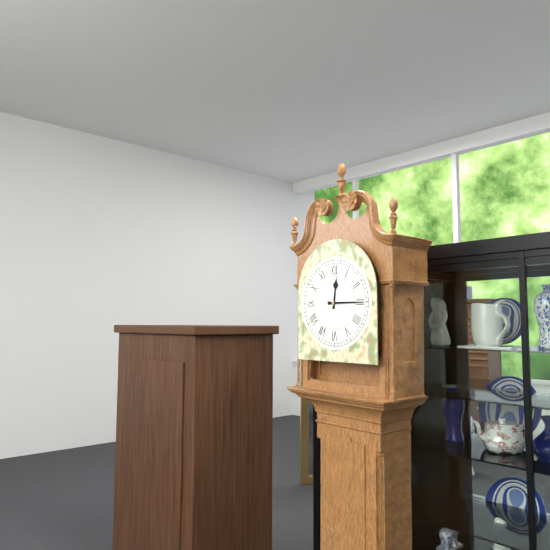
12:15
